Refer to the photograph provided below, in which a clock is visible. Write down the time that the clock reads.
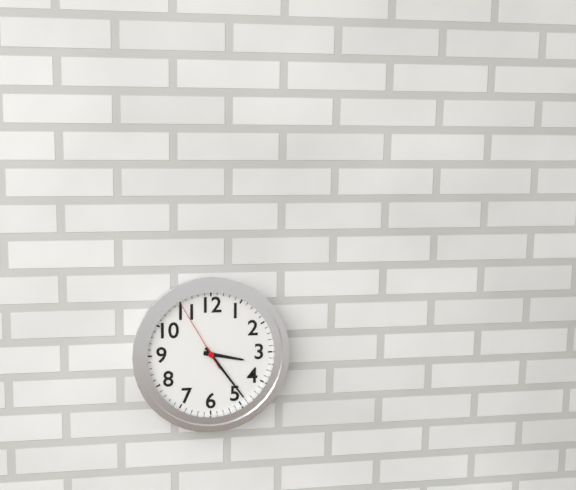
3:24:55
